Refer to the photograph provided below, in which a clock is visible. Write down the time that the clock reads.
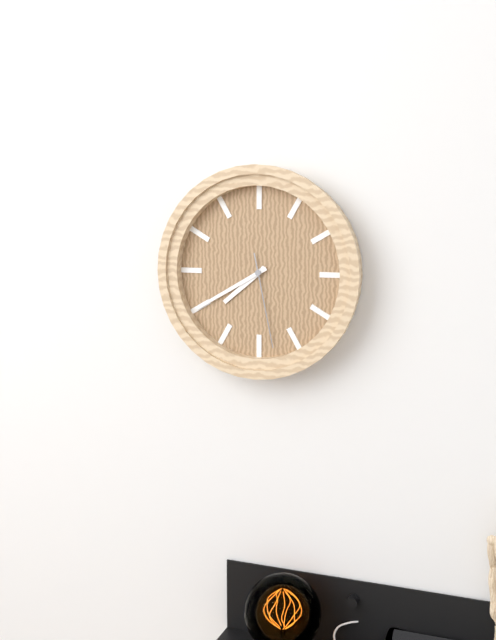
7:40:28
